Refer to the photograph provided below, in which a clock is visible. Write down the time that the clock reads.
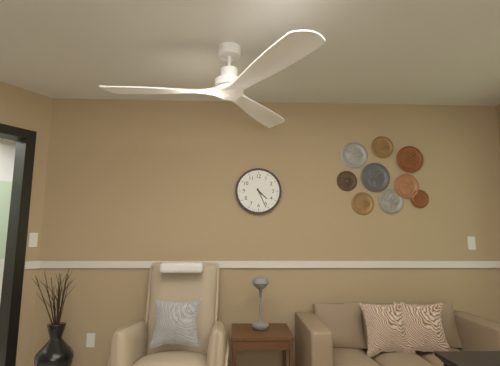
4:26
